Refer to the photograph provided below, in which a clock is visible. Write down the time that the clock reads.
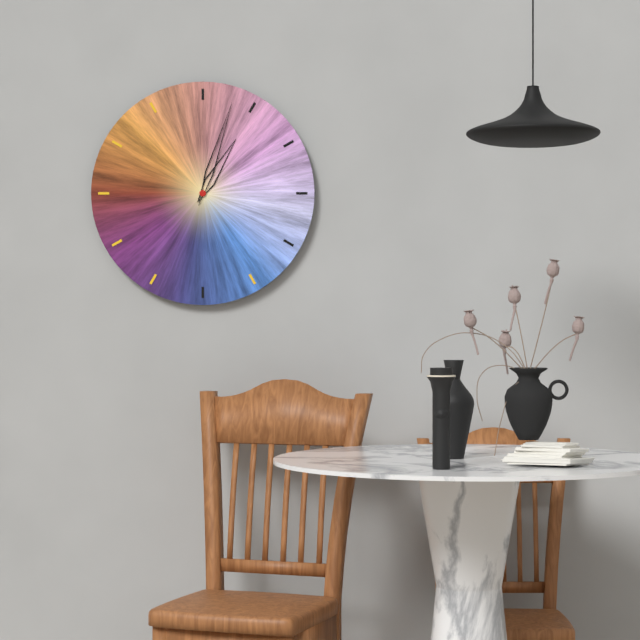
1:03
